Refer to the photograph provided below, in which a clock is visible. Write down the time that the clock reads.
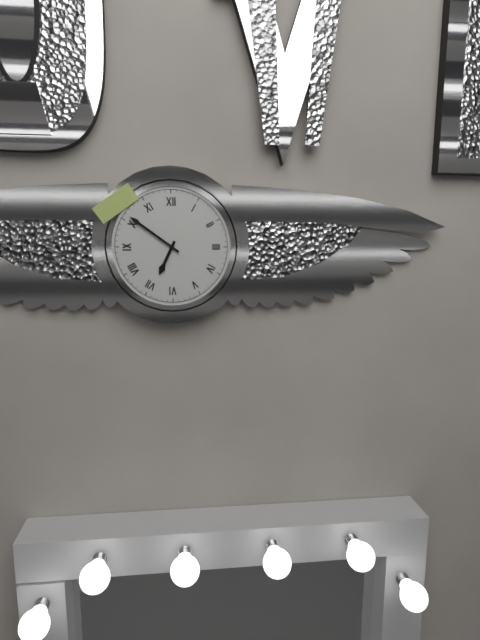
6:51
